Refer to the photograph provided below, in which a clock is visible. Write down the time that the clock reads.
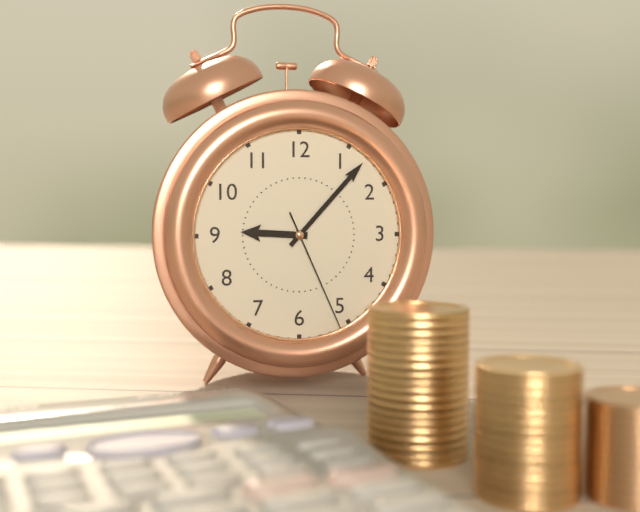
9:07:26
